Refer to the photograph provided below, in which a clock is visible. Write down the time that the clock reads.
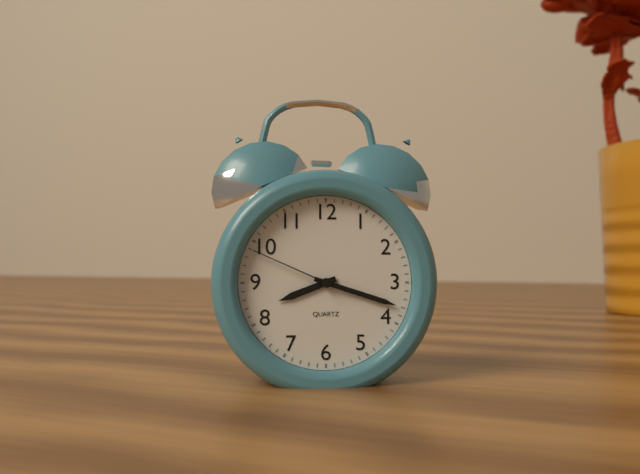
8:18:49
